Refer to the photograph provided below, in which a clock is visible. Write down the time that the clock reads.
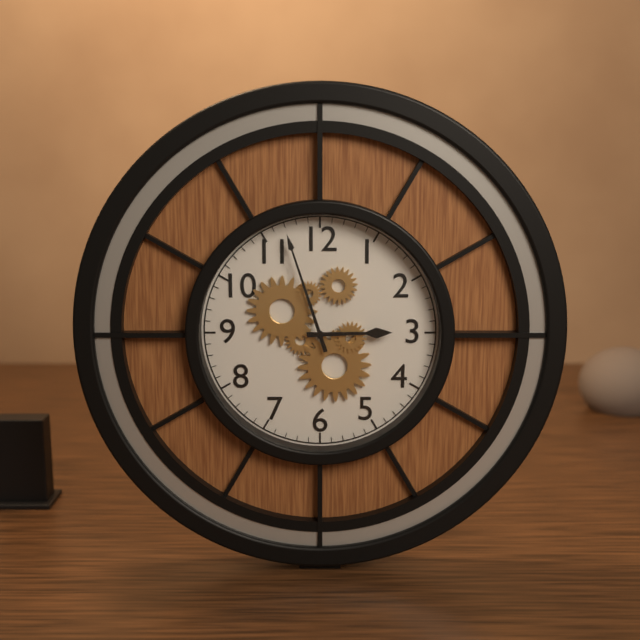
2:57
